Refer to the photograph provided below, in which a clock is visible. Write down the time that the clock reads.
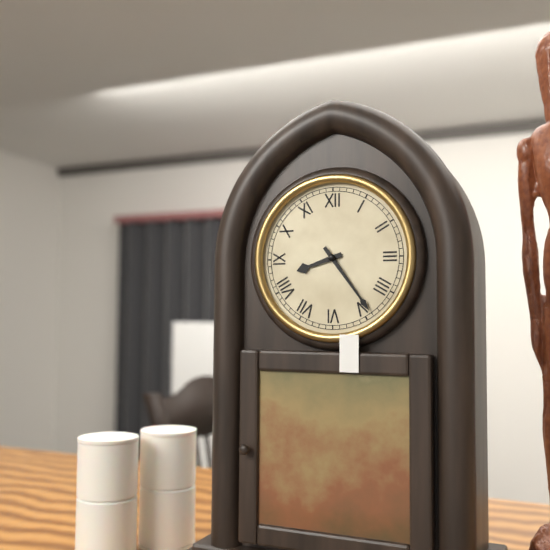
8:24
